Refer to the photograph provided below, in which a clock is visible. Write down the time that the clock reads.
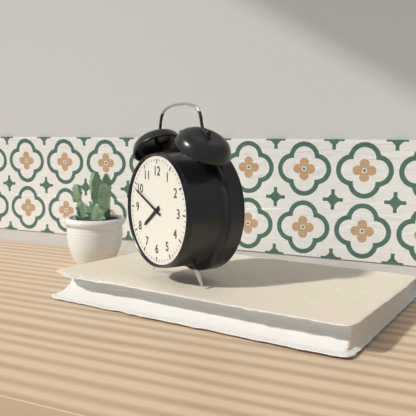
7:49
